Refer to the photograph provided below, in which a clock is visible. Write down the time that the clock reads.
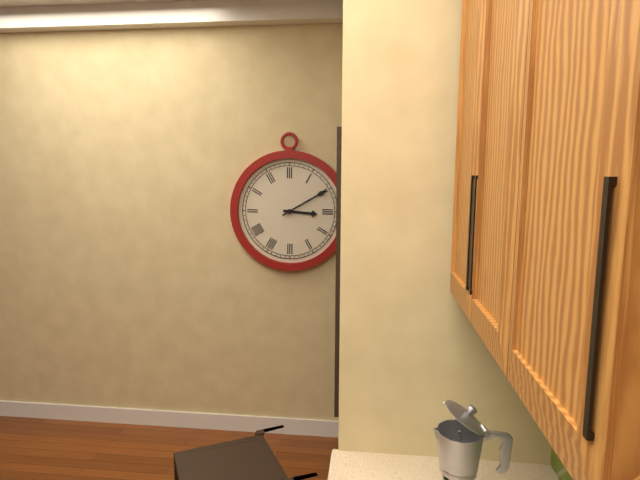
3:10
